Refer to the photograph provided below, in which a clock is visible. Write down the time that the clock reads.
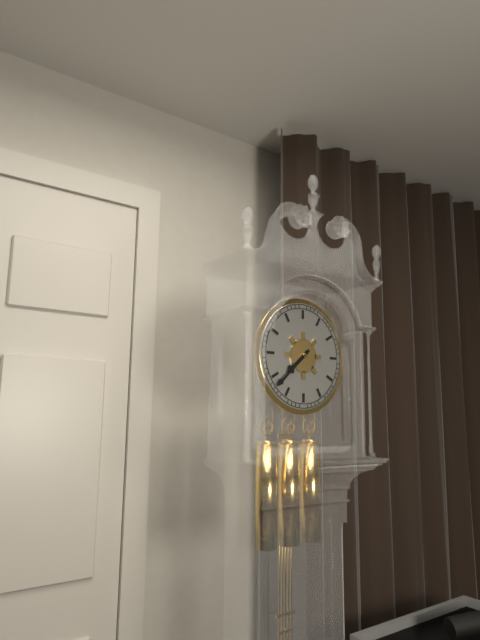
7:38
